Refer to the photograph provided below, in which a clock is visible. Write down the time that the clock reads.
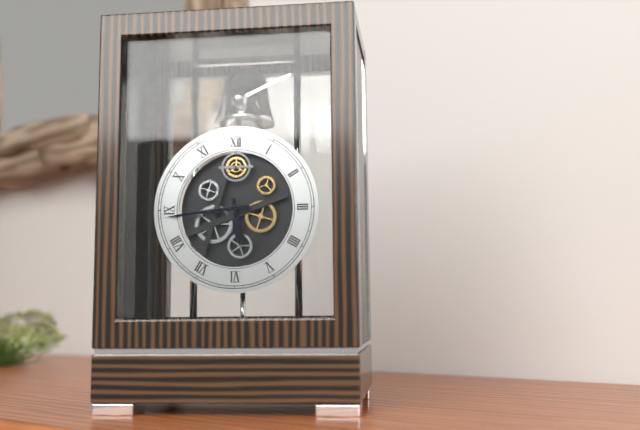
5:44
